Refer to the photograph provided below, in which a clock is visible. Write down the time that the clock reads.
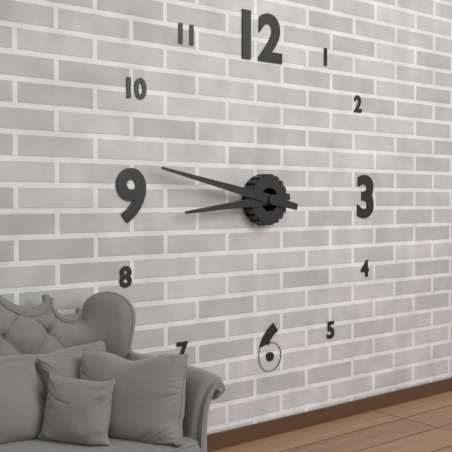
8:47
